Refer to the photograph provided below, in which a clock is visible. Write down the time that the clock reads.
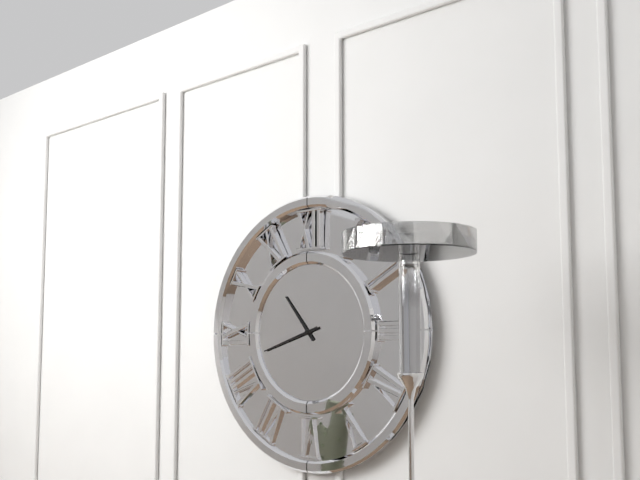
10:42
